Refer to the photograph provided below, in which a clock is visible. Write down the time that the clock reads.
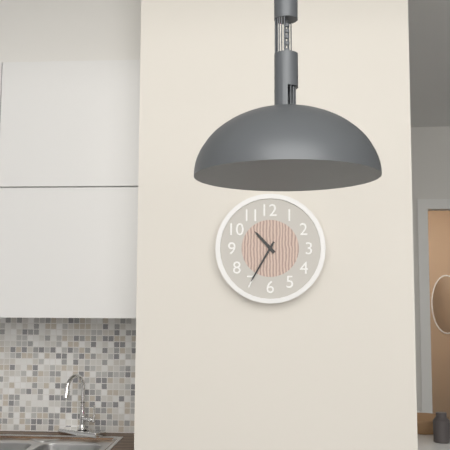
10:35
